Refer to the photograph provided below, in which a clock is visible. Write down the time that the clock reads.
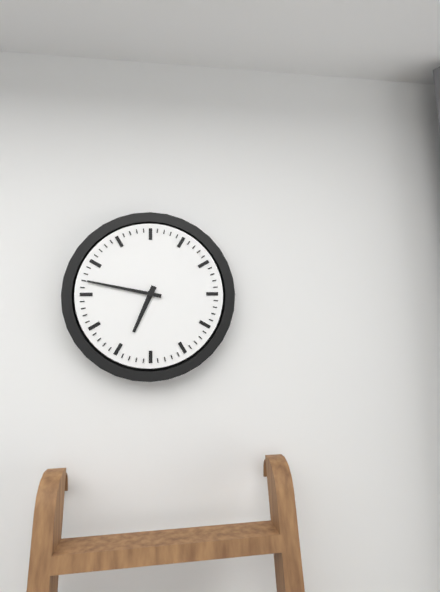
6:47
